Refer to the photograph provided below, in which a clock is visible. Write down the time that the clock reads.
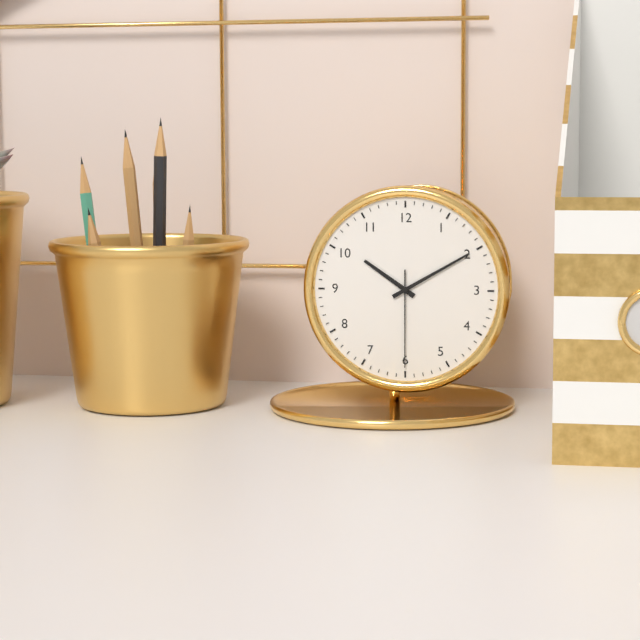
10:10:30
